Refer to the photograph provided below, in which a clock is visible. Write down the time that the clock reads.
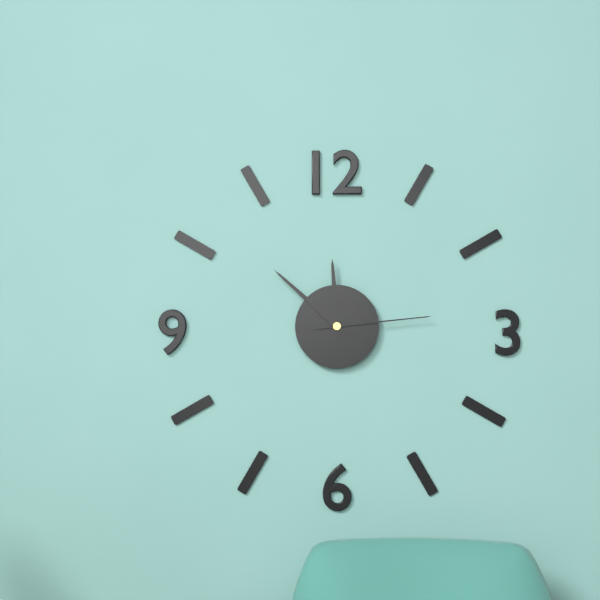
11:52:14
